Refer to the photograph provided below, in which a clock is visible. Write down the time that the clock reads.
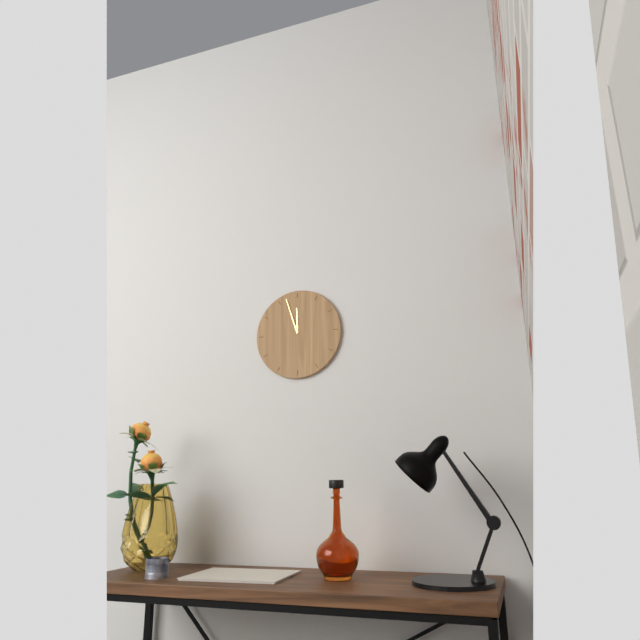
11:57
